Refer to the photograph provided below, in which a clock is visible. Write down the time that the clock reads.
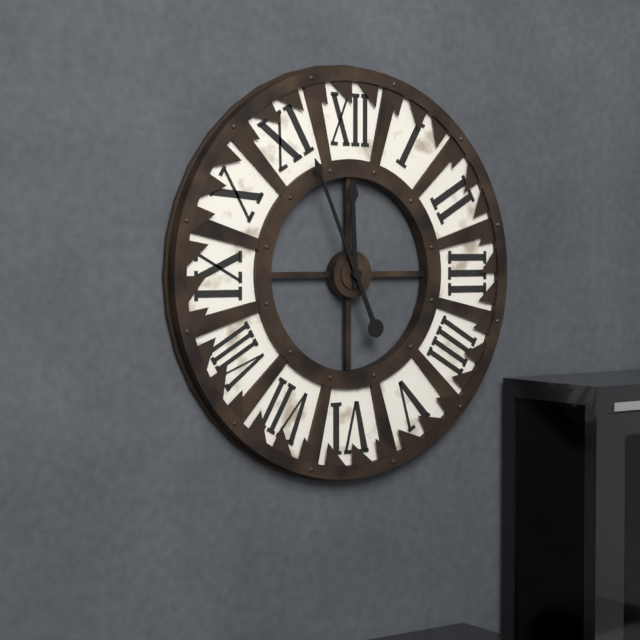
11:56
